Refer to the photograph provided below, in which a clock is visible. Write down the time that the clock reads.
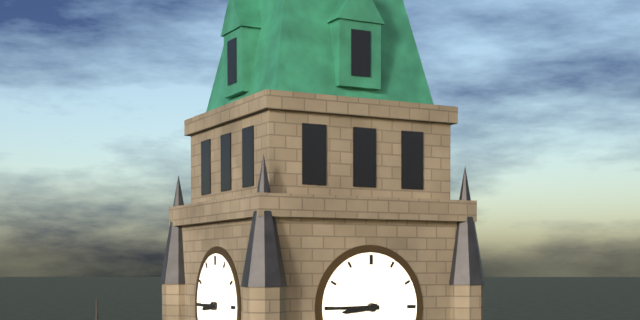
8:45
